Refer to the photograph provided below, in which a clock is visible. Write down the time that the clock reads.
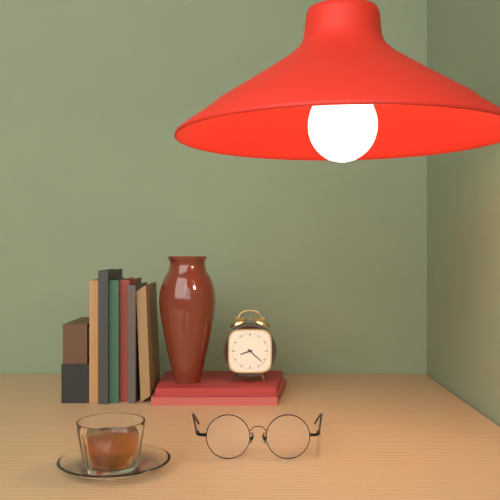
8:22
